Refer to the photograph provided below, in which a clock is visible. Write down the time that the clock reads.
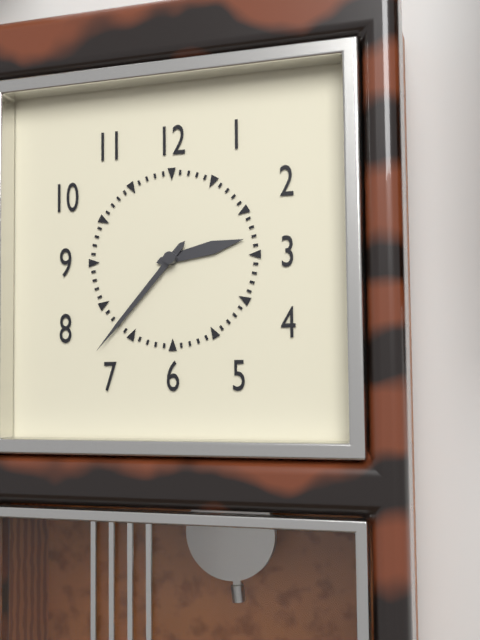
2:37
